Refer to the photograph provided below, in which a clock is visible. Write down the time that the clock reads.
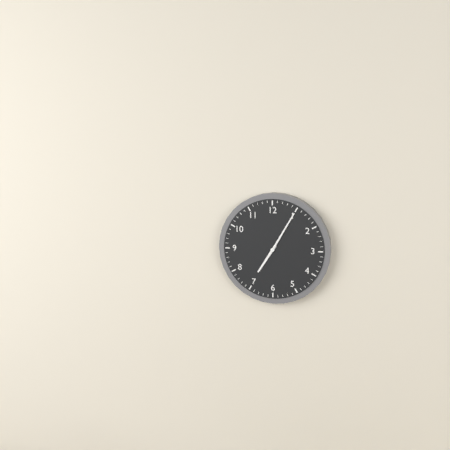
7:05
